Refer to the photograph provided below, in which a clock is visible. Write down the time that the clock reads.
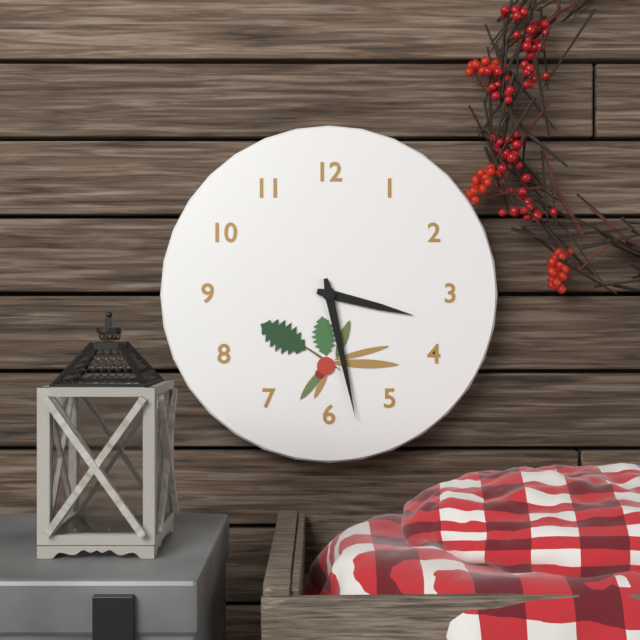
3:28
